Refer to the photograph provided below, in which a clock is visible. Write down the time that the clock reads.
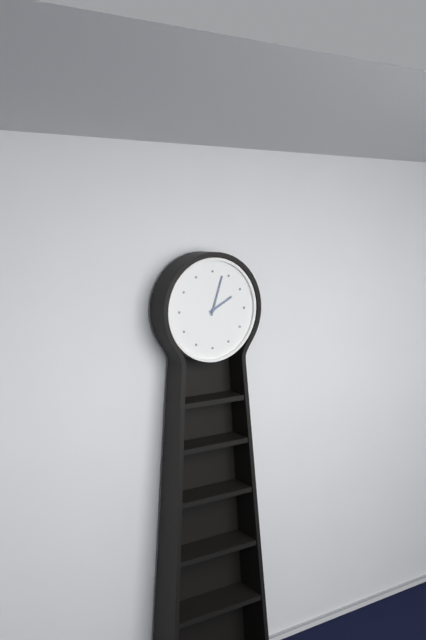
2:03
